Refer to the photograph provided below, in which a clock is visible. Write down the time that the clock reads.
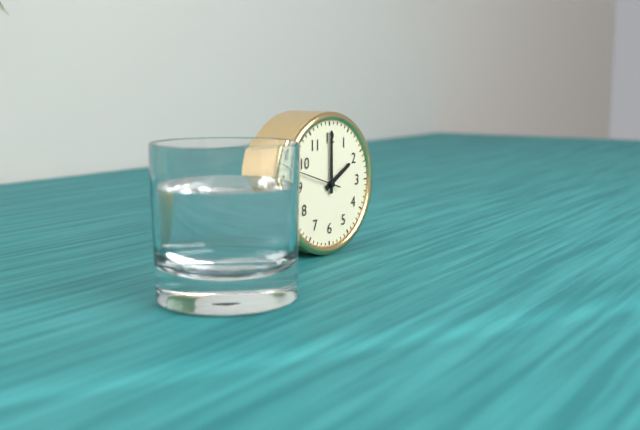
2:00
